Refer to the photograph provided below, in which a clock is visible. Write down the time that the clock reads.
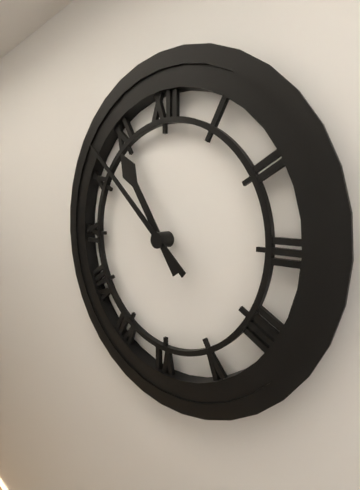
10:52
